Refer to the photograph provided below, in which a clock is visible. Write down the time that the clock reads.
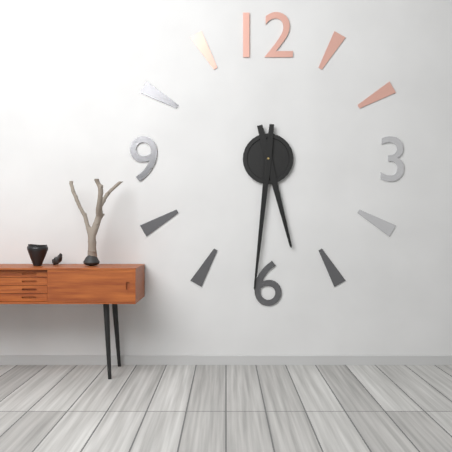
5:31
